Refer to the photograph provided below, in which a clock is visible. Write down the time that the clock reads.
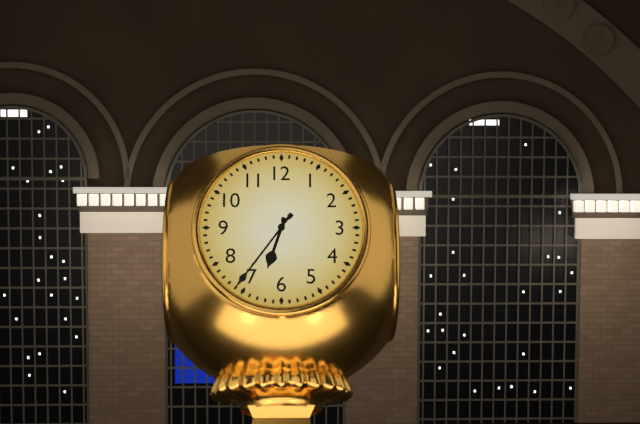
6:36
